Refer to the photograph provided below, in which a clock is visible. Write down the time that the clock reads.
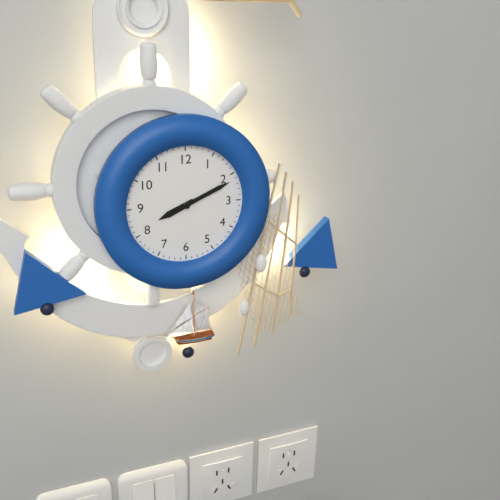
8:11
